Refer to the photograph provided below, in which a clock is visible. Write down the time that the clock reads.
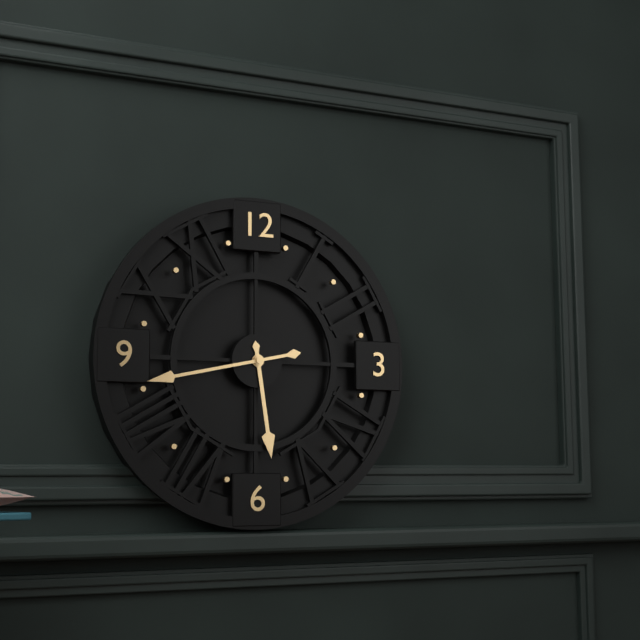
5:43
